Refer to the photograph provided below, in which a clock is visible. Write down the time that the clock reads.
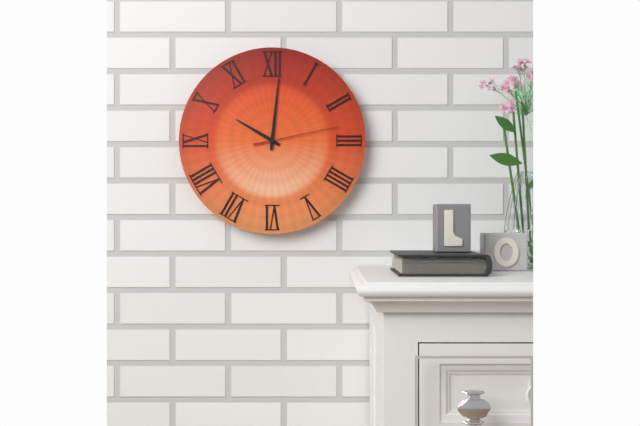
10:01:13
